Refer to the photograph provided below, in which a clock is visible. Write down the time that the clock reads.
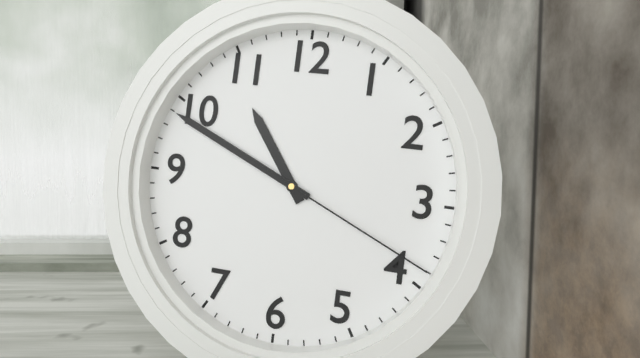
10:49:19
